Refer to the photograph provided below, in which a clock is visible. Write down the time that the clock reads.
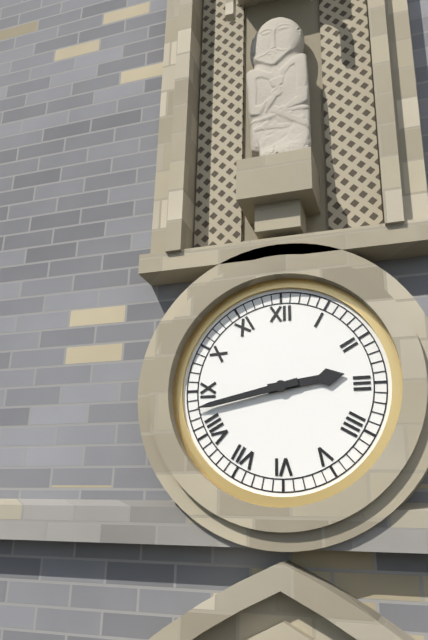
2:43
